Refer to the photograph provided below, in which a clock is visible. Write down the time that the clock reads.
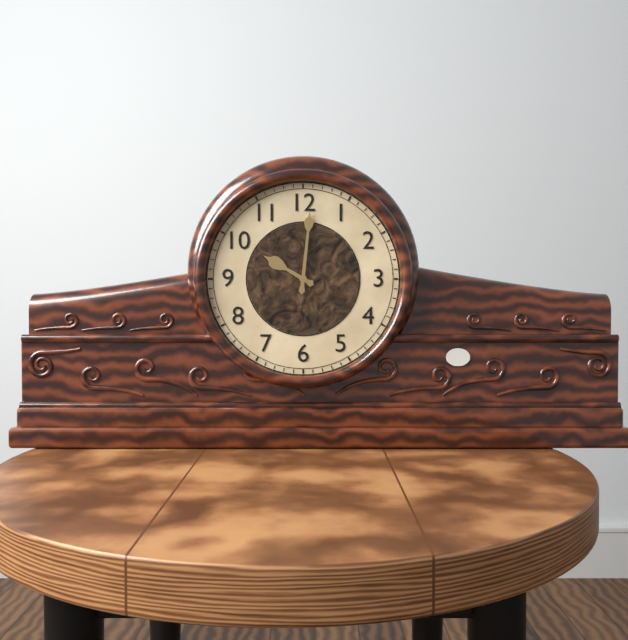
10:01
